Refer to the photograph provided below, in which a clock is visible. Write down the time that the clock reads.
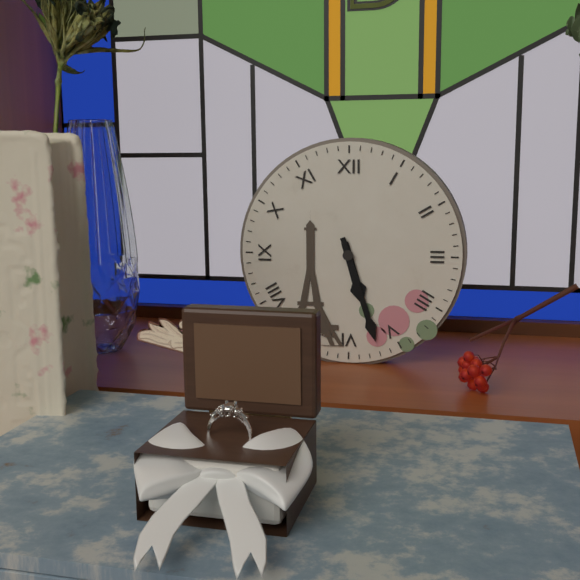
5:27
